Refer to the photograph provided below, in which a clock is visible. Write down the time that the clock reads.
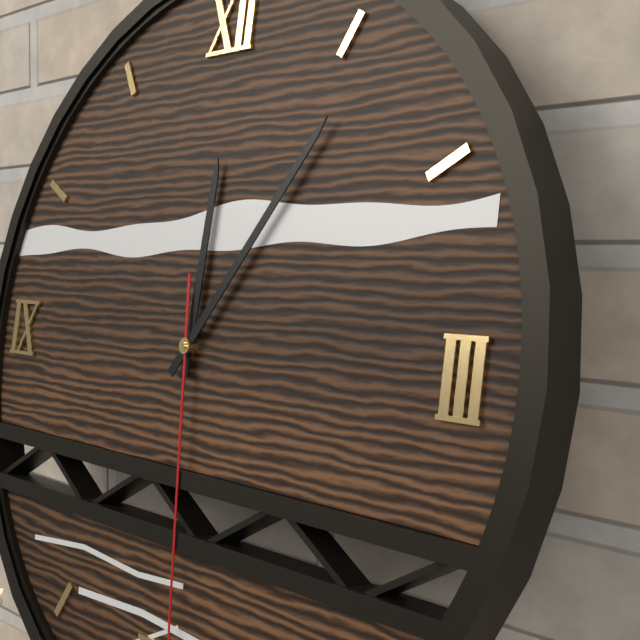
12:06
